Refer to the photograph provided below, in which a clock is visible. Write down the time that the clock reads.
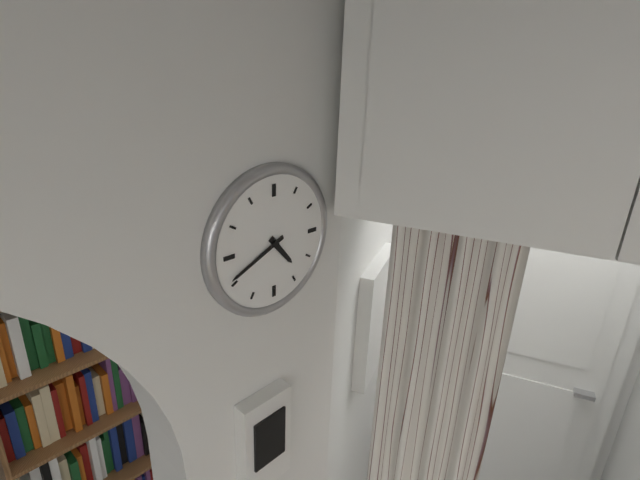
4:41
